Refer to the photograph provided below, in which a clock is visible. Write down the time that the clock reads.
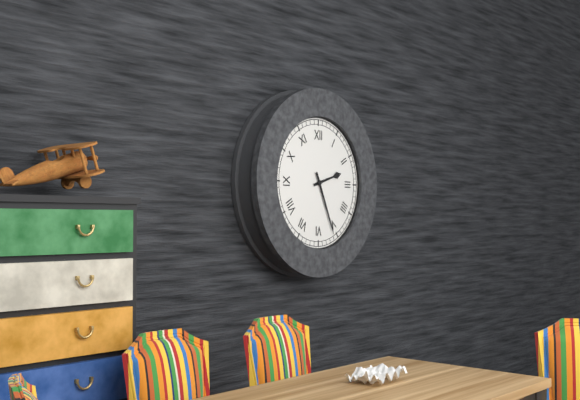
2:26
